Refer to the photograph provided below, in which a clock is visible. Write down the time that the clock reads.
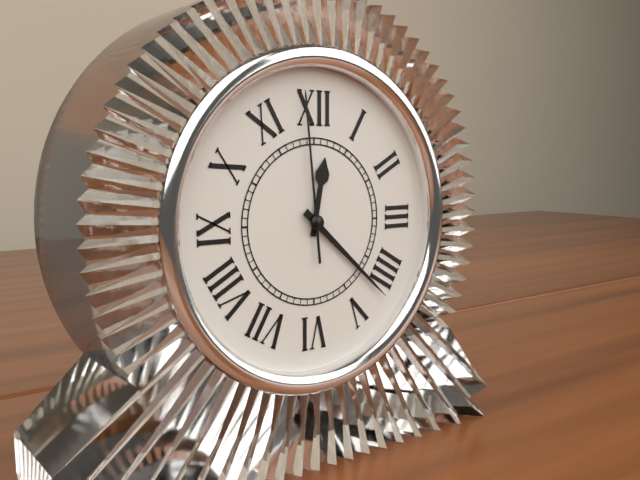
12:22:59
